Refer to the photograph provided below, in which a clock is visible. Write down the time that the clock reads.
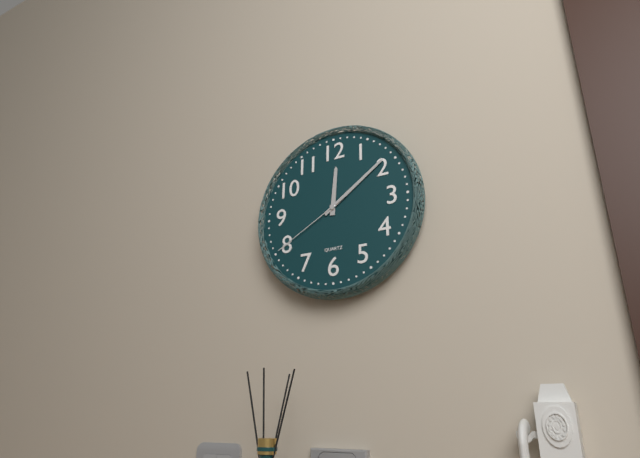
12:09:40
